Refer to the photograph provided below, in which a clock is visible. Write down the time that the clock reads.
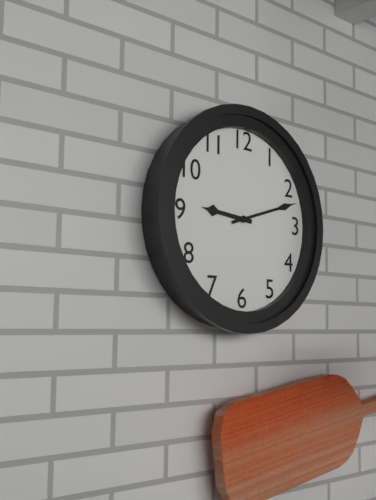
9:12
